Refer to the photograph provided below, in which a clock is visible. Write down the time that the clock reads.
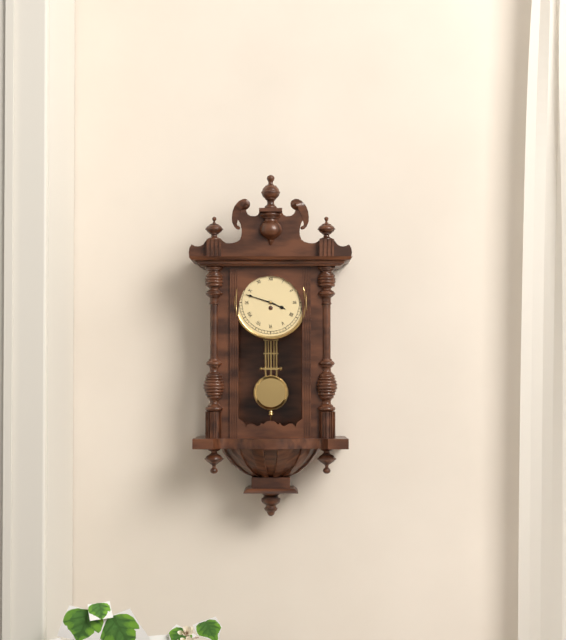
3:48
